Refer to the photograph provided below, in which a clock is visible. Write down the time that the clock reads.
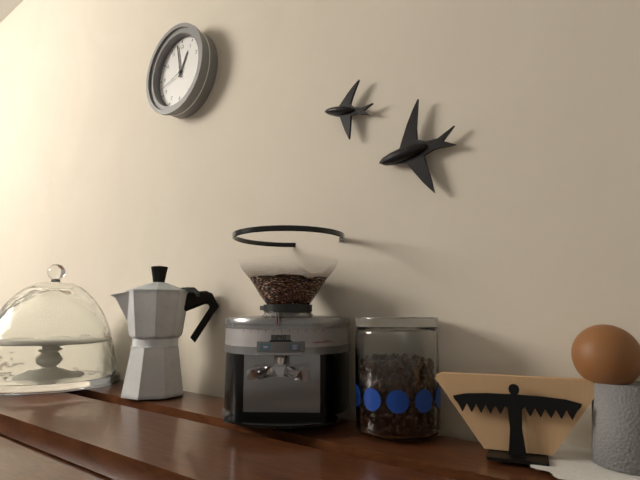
12:58
